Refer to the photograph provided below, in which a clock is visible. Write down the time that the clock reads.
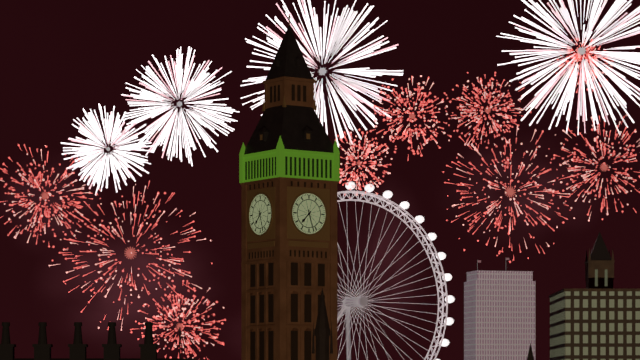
7:27
